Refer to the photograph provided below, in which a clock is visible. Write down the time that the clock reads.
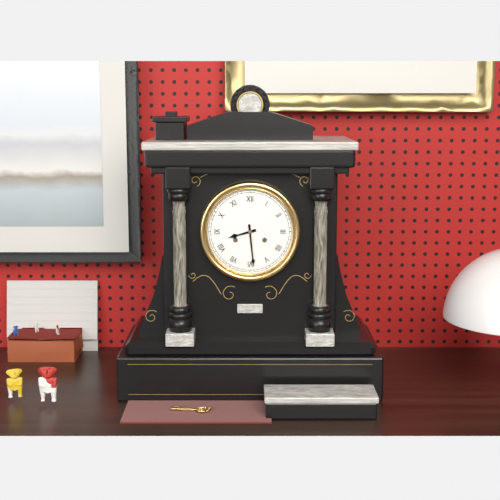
8:29
